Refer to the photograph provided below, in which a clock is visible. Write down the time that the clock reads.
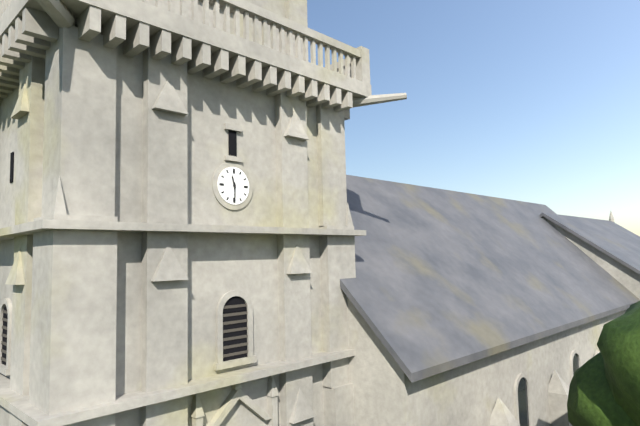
11:30
